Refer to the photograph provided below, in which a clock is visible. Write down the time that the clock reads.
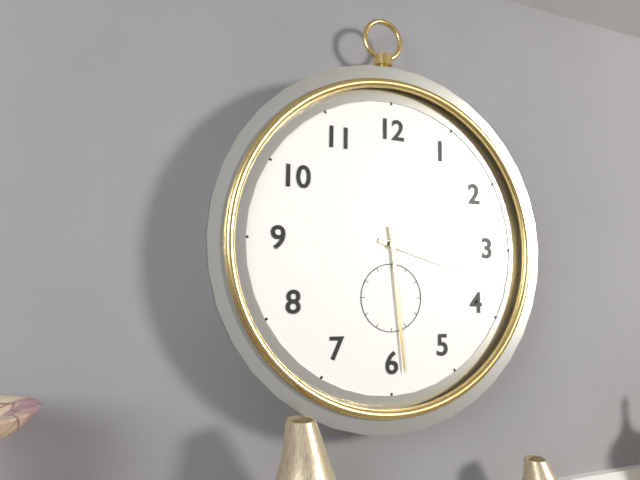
3:29
